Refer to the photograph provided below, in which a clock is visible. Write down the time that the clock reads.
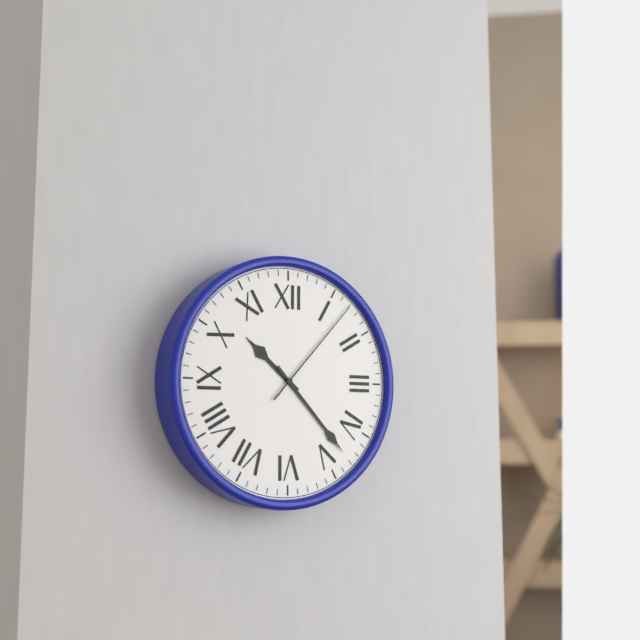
10:23:07
